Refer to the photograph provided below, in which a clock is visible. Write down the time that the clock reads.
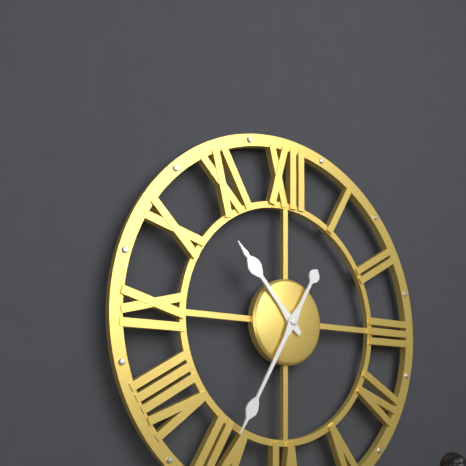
10:35
